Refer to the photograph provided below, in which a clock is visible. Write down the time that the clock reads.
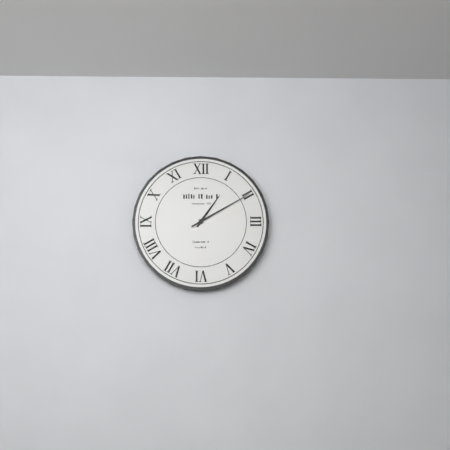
1:10
